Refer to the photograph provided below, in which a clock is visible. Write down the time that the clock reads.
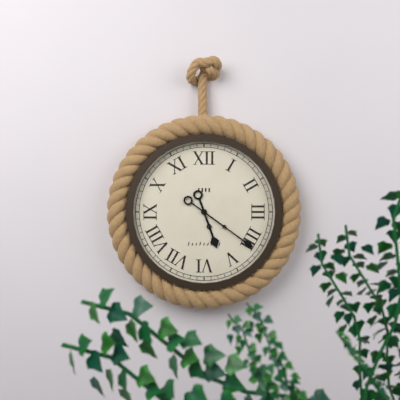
5:21
